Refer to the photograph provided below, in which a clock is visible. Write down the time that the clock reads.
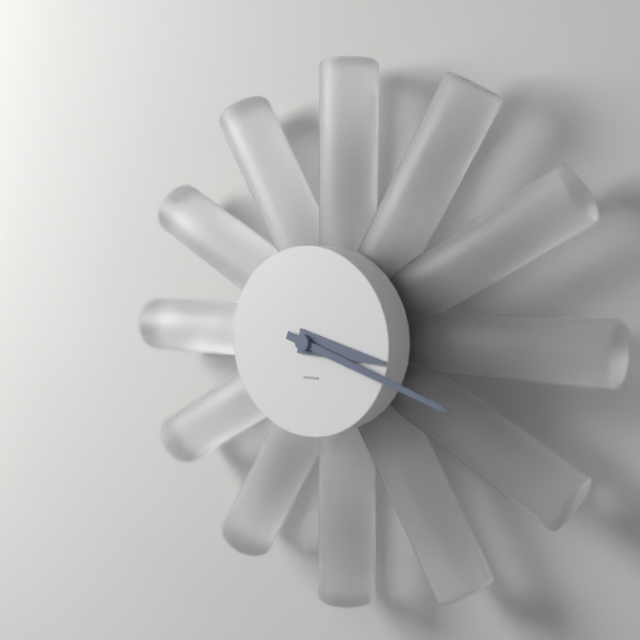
3:18
